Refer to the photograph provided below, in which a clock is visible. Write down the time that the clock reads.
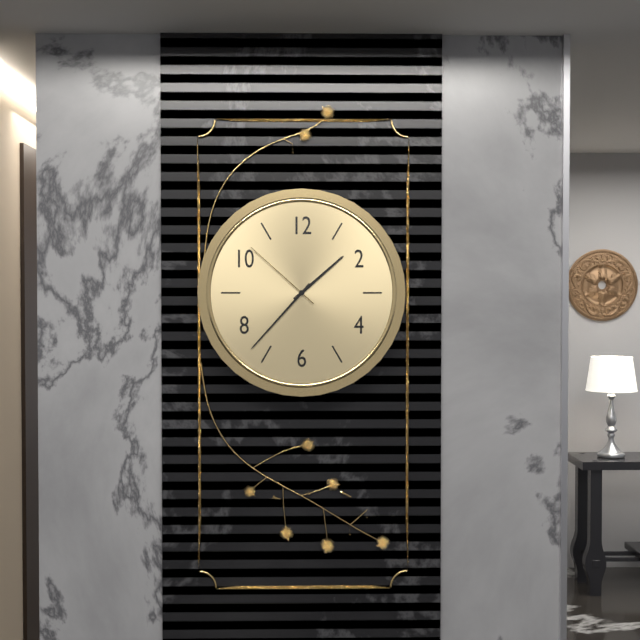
1:37:52
